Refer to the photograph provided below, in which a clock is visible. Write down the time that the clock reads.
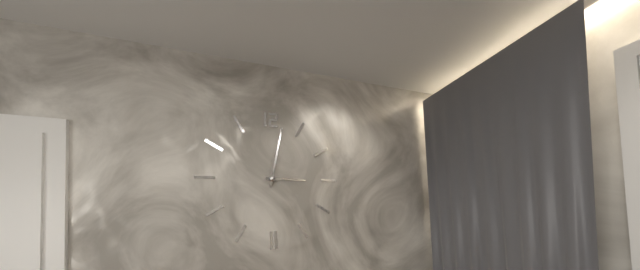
3:02
